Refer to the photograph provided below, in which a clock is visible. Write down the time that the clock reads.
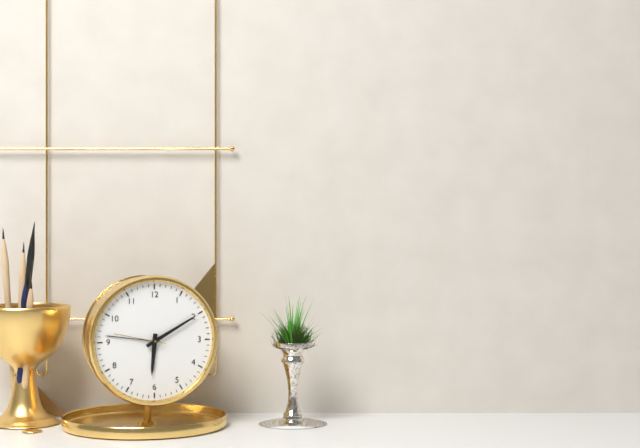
6:10:47
